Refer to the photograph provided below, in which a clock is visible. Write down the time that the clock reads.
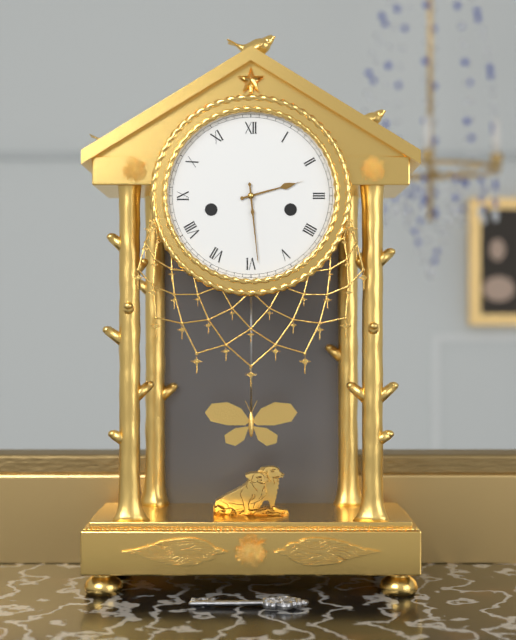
2:29
